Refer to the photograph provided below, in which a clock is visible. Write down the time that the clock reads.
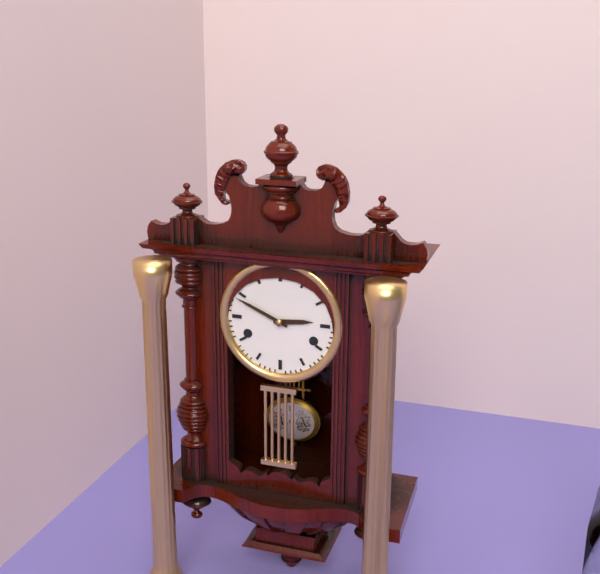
2:49
